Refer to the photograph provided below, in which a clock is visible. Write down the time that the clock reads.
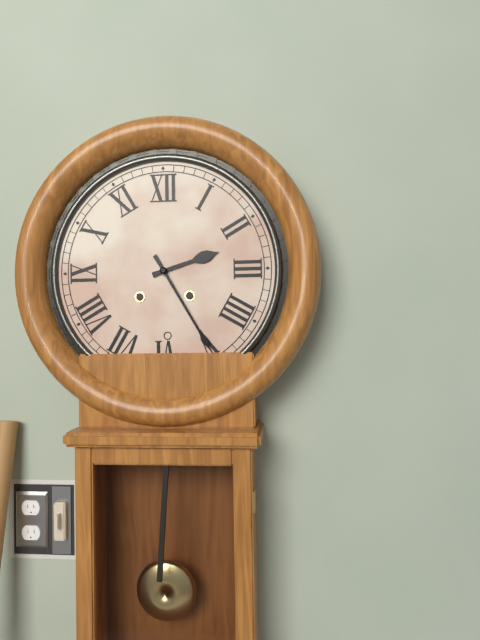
2:25
